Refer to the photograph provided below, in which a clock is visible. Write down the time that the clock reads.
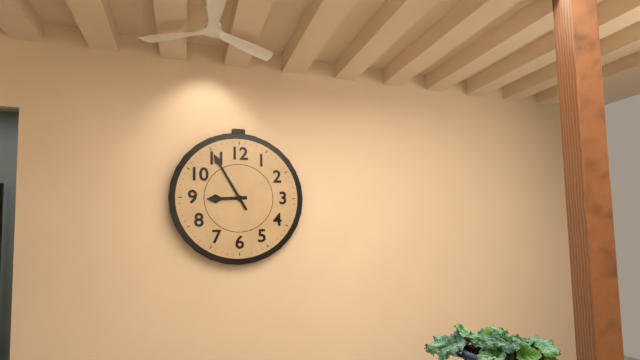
8:55
